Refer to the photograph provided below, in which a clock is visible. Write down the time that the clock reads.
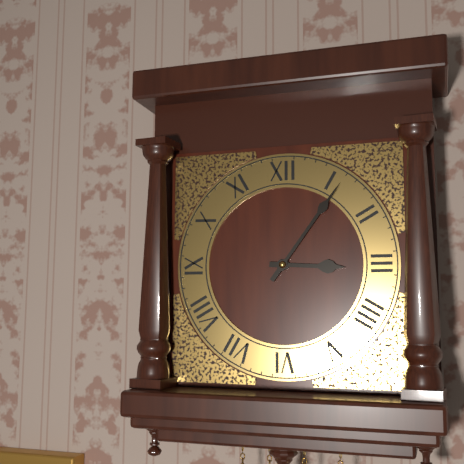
3:06
